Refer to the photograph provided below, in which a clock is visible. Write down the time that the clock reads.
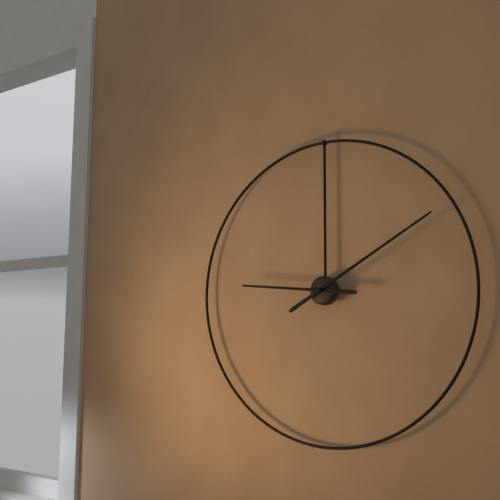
9:10
